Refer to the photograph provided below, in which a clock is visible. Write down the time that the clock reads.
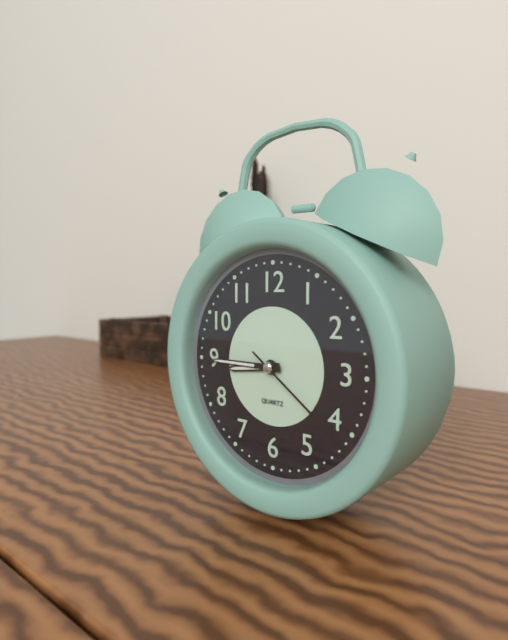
8:45:21
